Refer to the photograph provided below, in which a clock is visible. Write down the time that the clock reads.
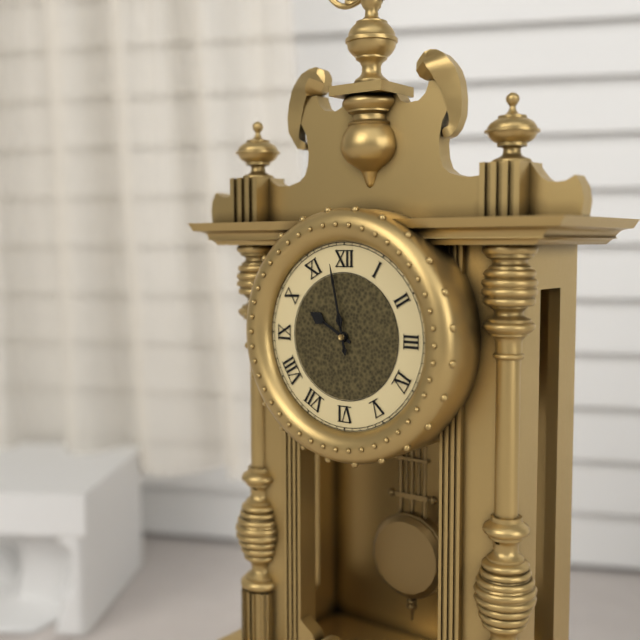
9:58
